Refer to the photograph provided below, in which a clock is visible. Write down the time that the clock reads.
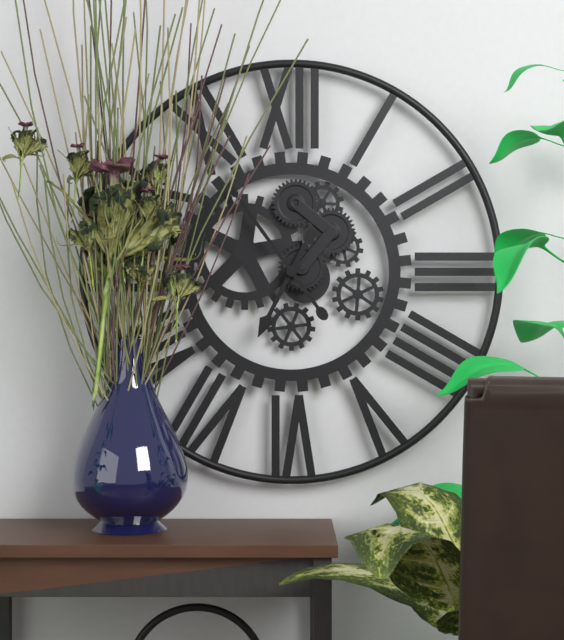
6:54
